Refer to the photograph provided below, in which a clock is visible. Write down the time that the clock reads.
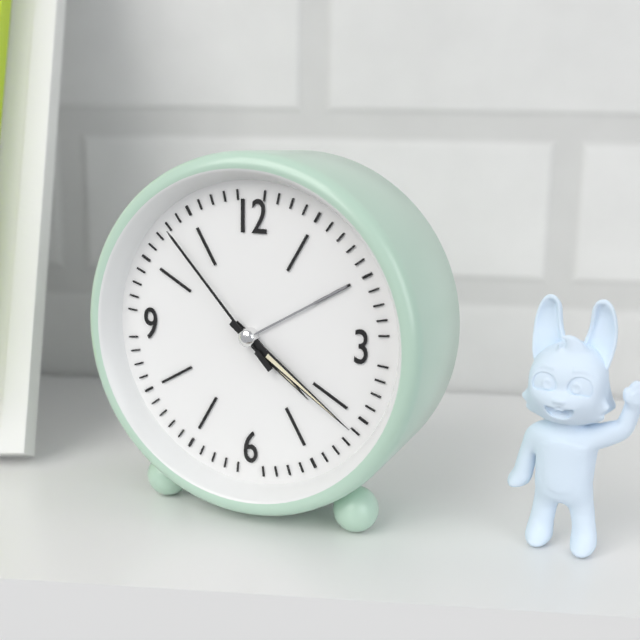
4:21:53
